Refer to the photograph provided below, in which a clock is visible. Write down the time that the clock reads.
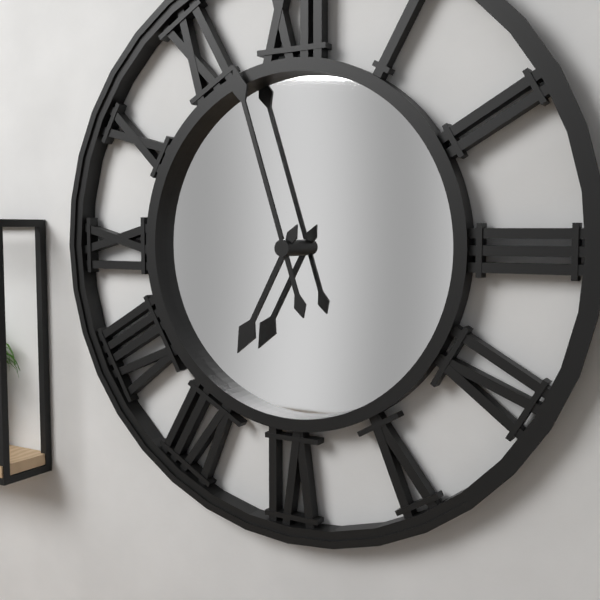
6:57
